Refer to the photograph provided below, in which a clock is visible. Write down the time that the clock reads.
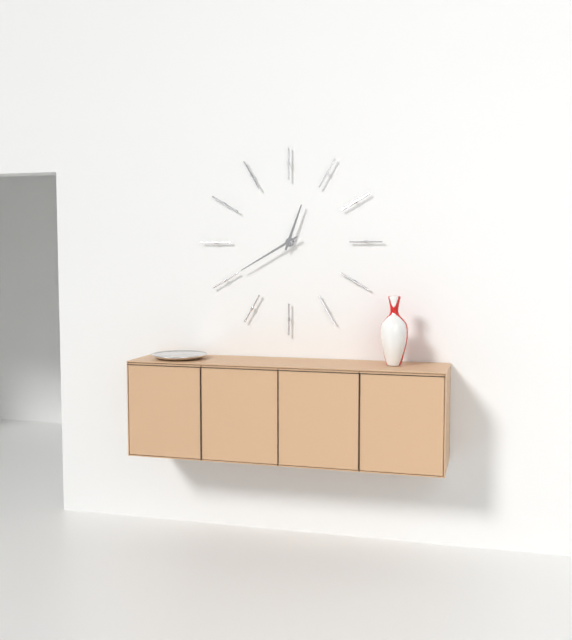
12:40
